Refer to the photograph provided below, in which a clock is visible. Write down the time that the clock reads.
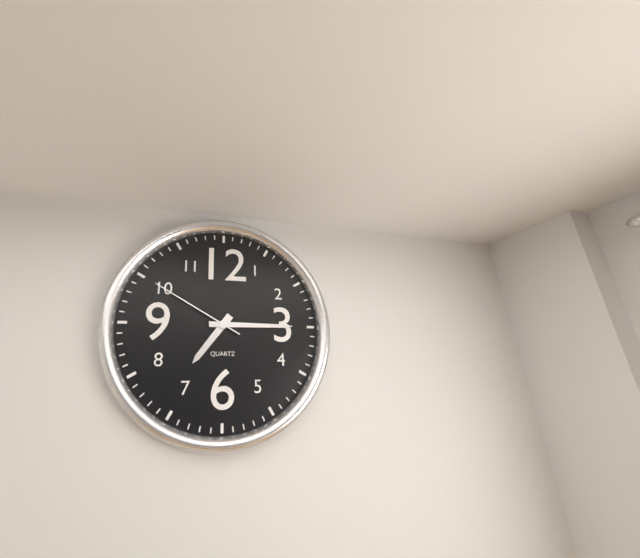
7:15:50
